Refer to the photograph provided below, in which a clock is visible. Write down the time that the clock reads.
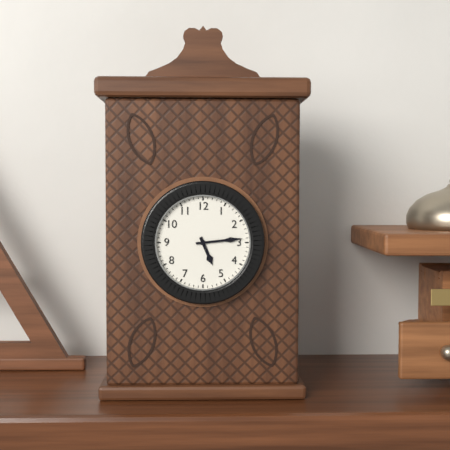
5:14
